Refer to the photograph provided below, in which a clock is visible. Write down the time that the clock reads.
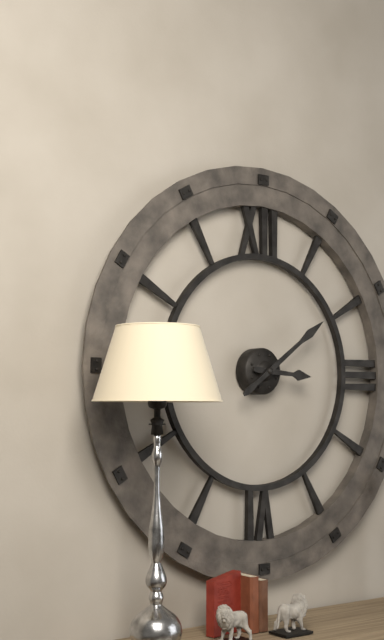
3:09
